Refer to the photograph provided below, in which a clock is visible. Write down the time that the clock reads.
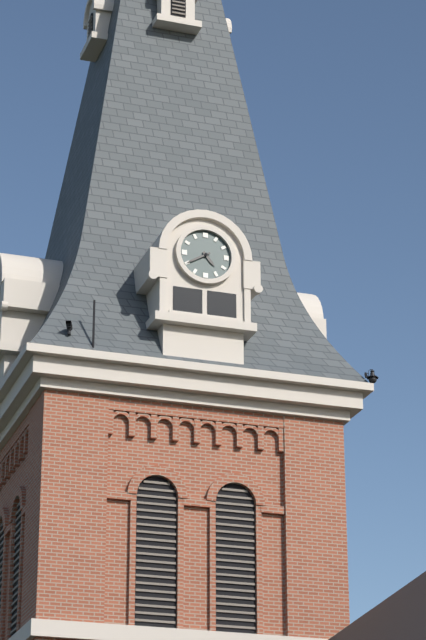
4:40
